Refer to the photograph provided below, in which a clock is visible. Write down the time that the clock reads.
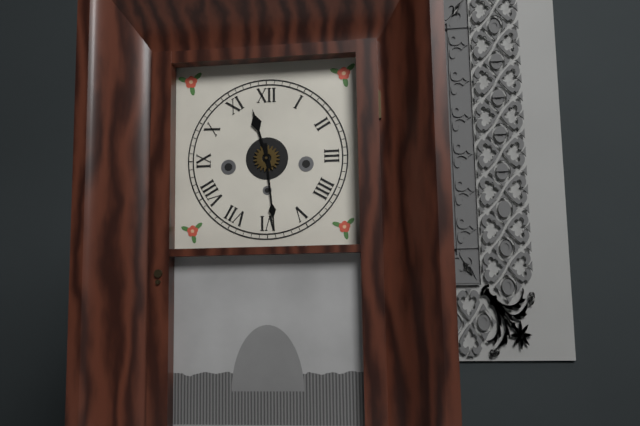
11:29
